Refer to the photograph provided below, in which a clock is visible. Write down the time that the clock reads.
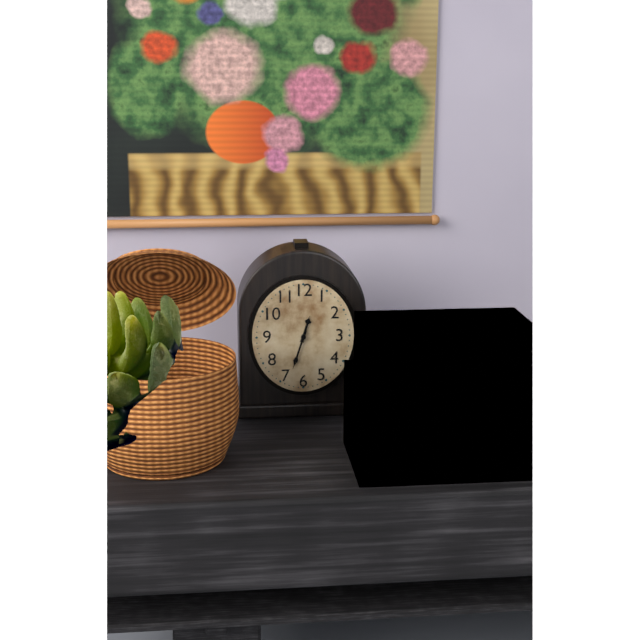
12:33
